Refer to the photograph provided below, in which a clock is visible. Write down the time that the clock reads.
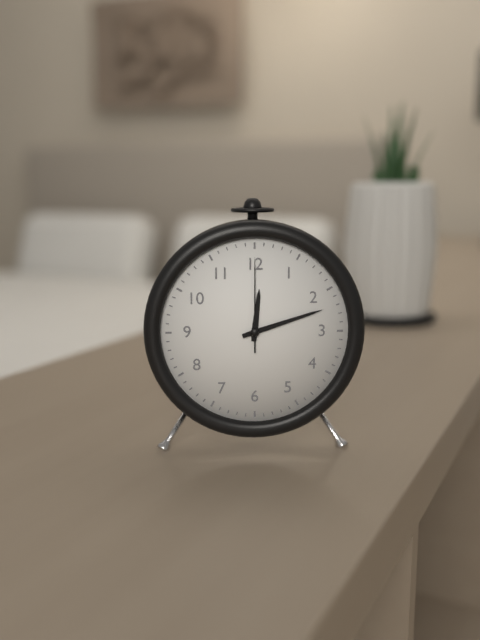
12:12:00
